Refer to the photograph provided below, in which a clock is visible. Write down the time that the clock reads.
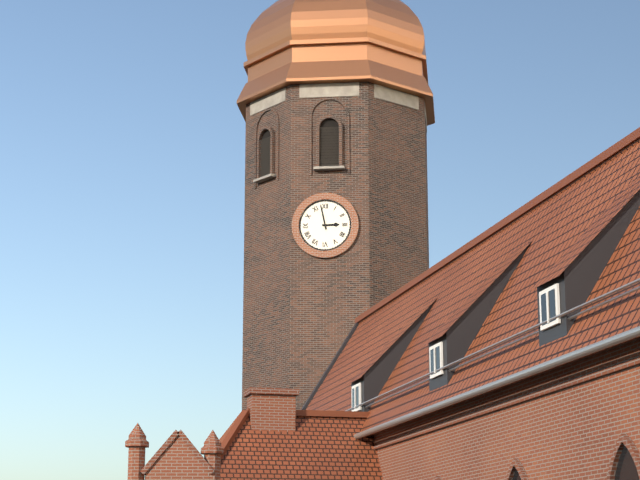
2:58
